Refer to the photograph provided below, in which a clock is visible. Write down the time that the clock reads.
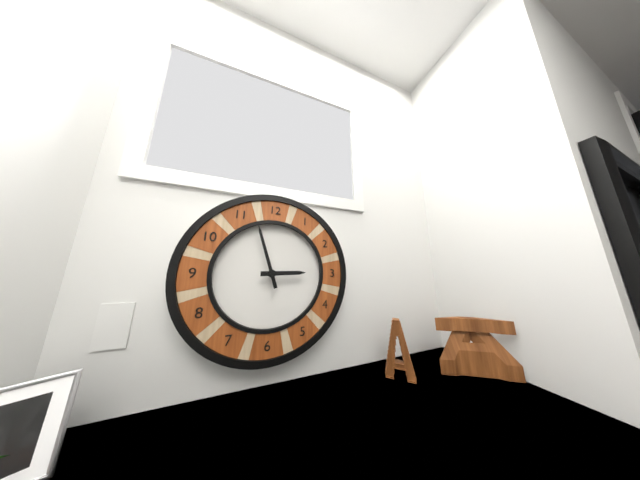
2:57
